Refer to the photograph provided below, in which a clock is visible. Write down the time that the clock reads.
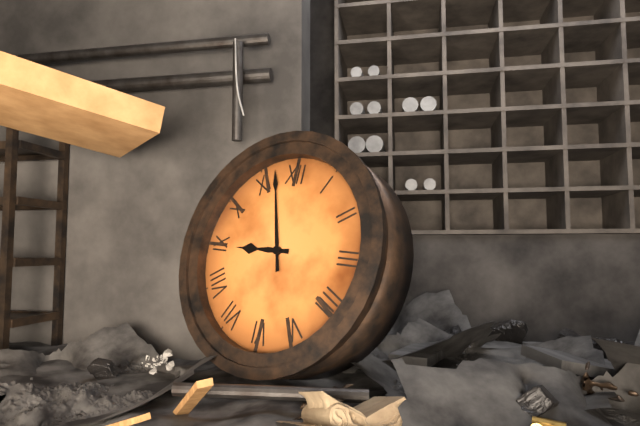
8:57
